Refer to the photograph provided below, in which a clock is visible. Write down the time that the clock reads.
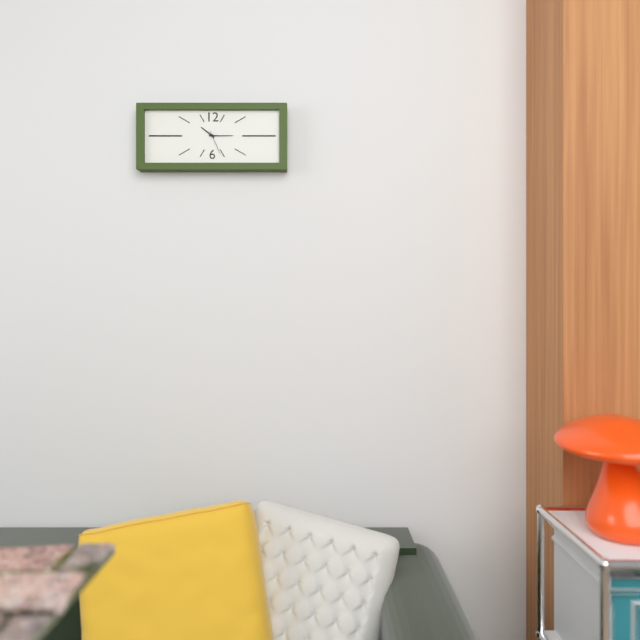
10:15
